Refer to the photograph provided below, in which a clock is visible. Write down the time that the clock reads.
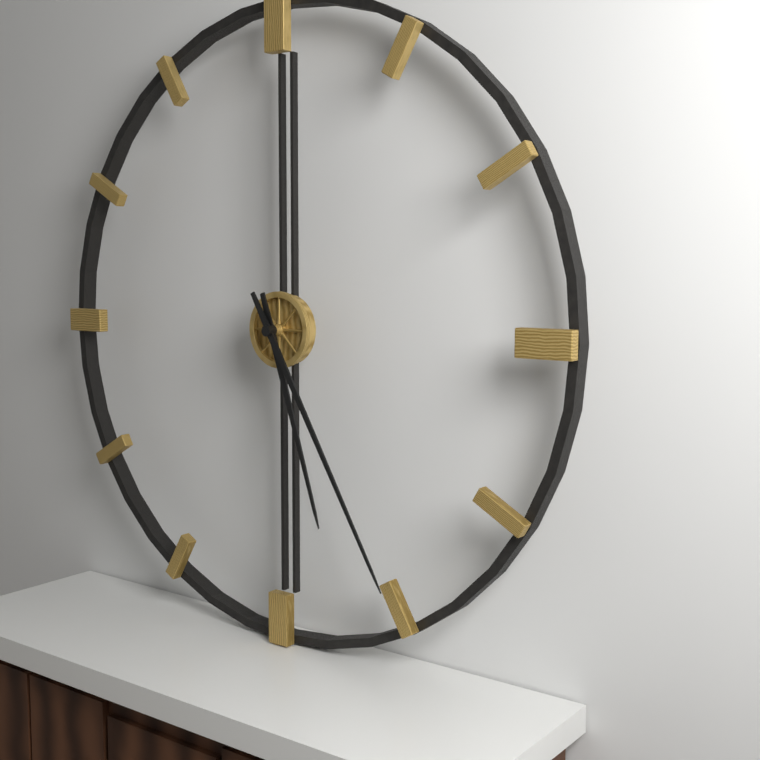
5:25
